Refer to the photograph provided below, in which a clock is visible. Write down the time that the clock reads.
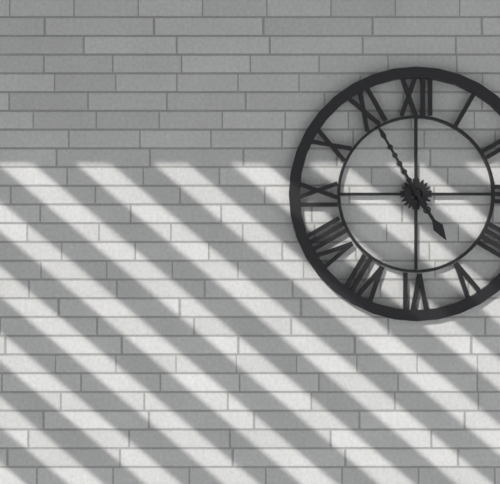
4:55
